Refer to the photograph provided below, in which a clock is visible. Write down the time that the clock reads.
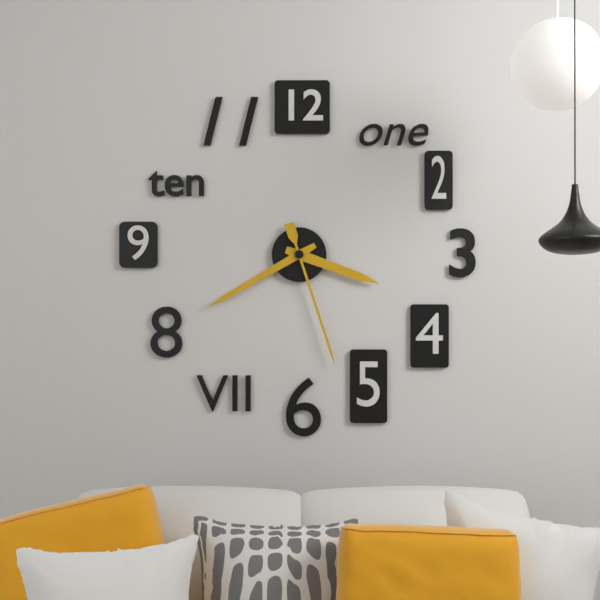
3:40:27
